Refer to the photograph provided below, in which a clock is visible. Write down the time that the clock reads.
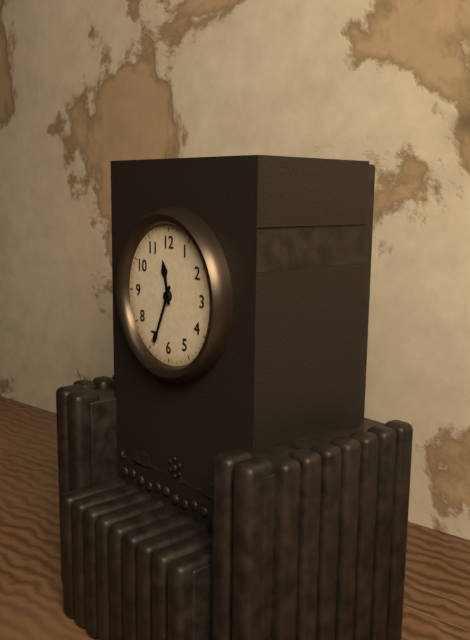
11:34
